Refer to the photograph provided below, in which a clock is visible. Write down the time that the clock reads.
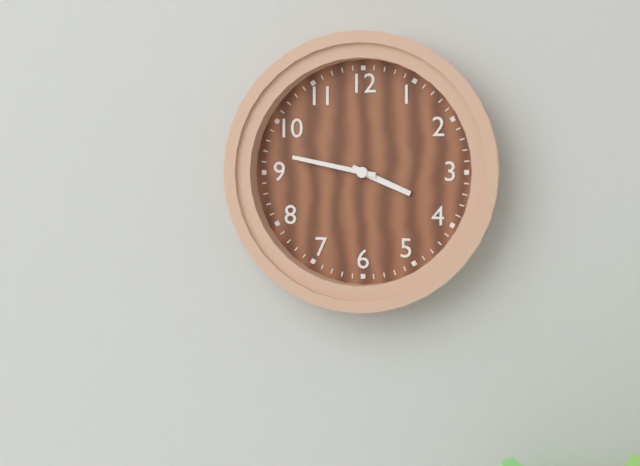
3:47
